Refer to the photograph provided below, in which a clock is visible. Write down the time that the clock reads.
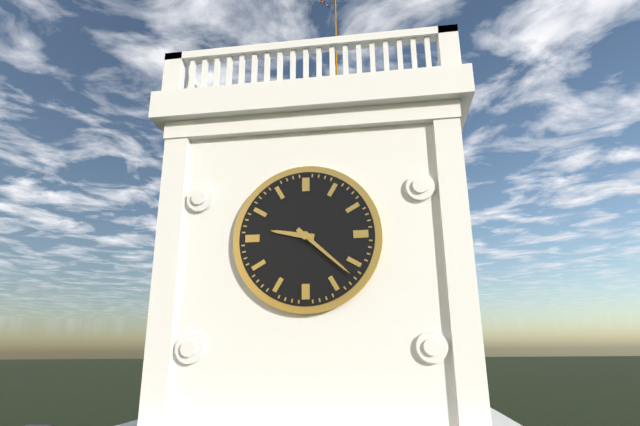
9:22
